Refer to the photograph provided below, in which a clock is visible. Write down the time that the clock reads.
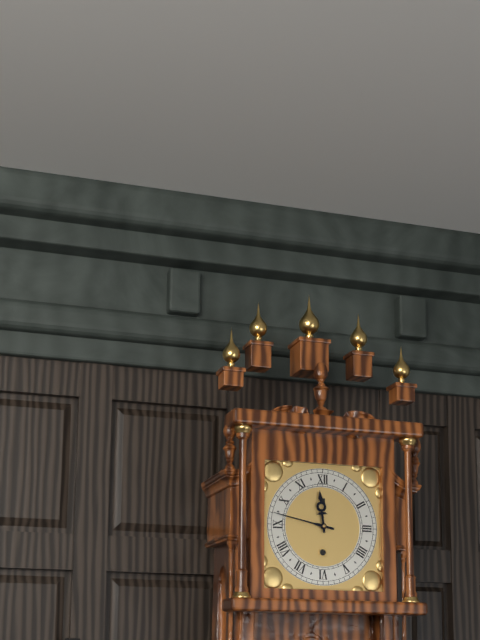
11:47
